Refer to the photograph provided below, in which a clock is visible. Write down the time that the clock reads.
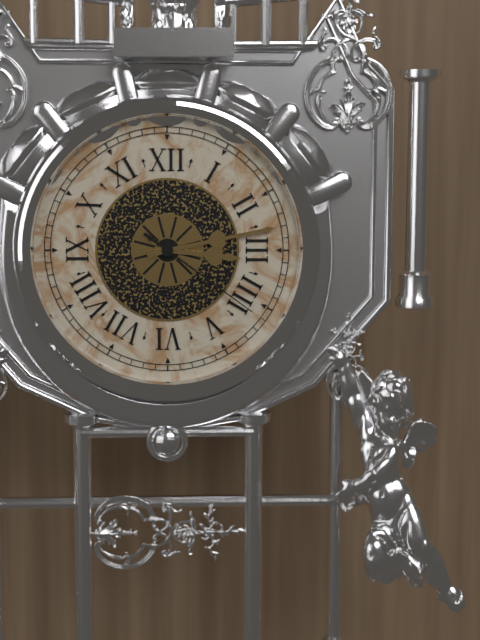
3:13:21
